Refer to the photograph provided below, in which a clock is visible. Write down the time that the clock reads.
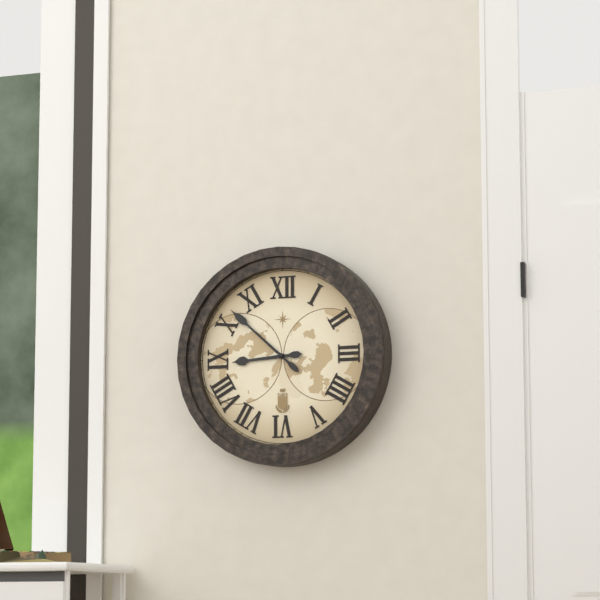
8:52
